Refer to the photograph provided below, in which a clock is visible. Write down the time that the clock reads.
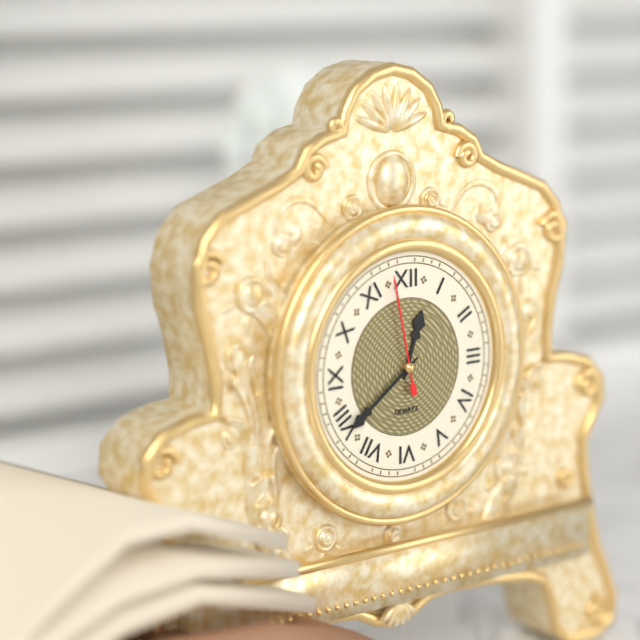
12:39:58
